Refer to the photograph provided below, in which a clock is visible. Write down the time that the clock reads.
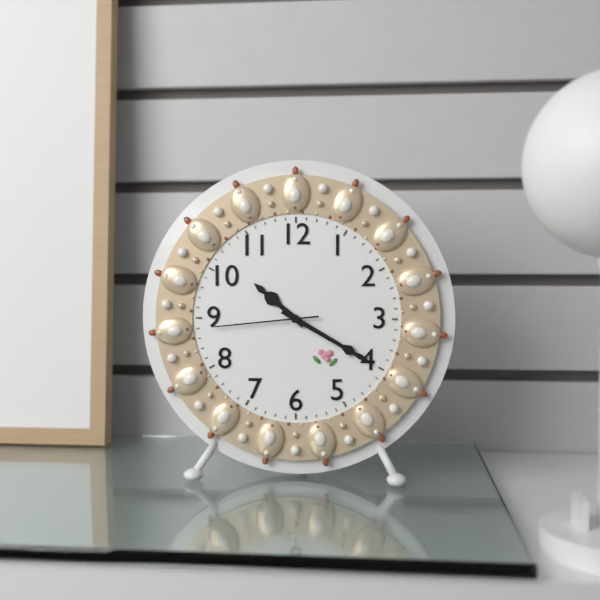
10:20:44
